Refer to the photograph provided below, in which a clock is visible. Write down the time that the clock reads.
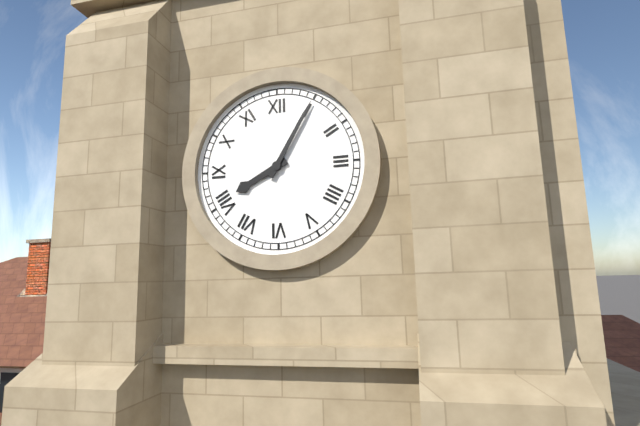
8:05
